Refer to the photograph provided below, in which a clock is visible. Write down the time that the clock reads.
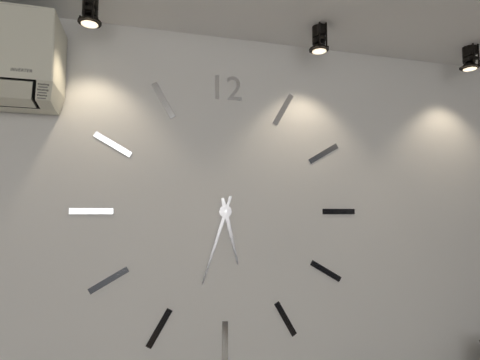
5:33
